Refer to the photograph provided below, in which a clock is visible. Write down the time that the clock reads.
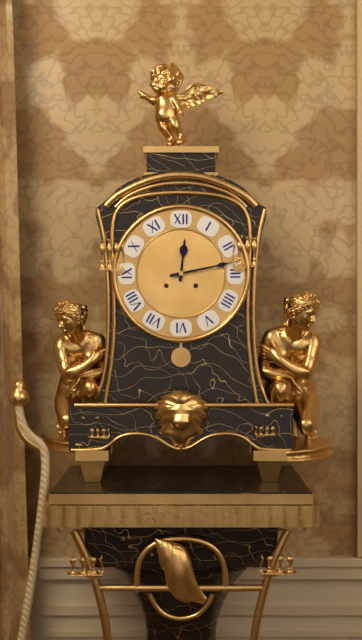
12:13
